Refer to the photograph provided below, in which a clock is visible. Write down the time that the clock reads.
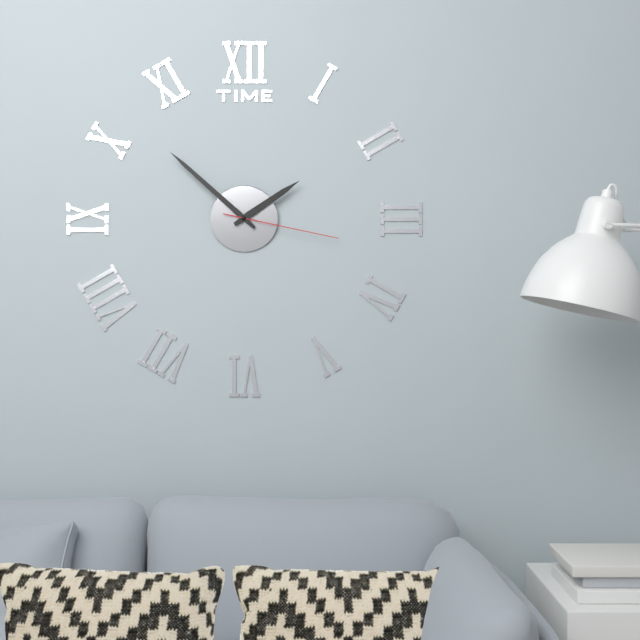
1:52:17
